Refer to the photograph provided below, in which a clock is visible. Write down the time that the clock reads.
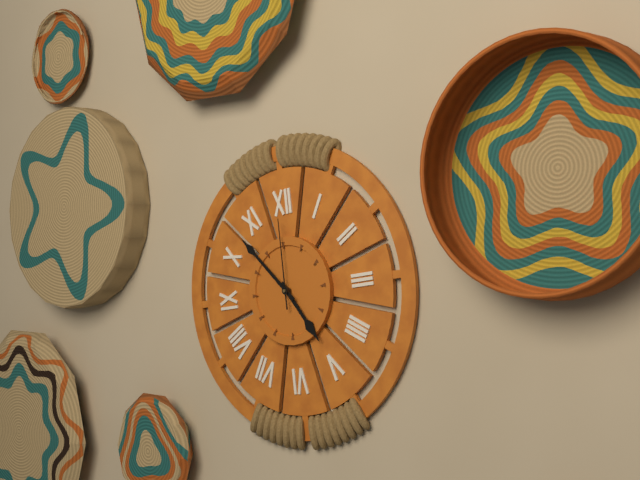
4:53:00
